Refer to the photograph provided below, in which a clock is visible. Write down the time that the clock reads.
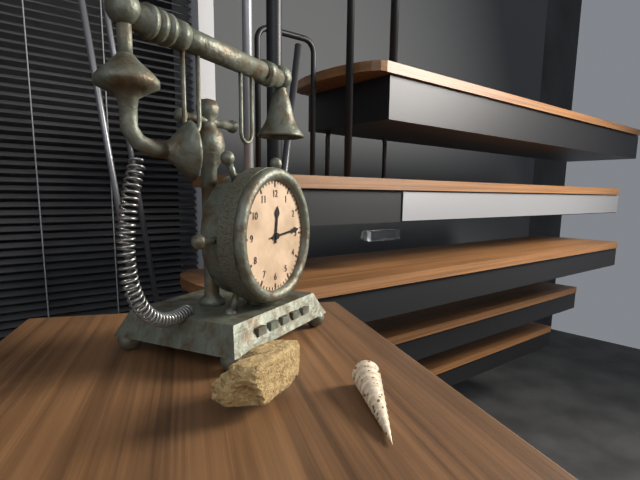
12:14
